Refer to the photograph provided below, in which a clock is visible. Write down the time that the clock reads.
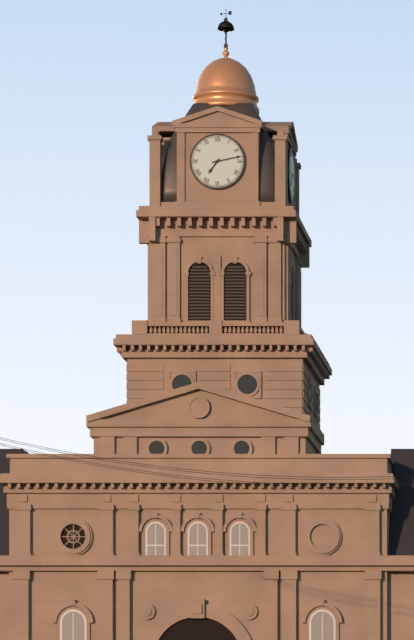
7:13
